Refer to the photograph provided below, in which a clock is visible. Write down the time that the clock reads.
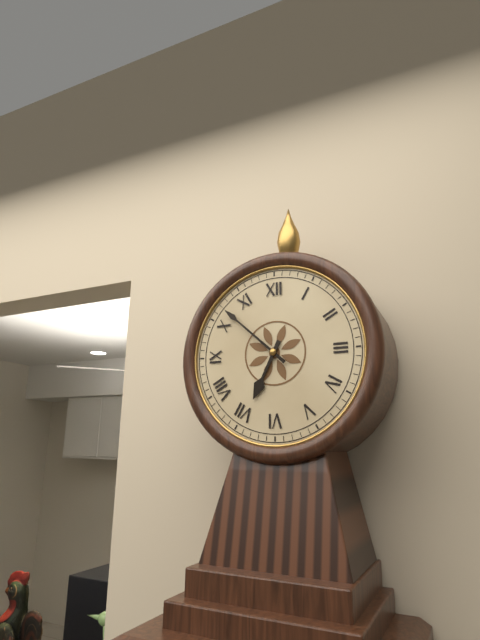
6:52
